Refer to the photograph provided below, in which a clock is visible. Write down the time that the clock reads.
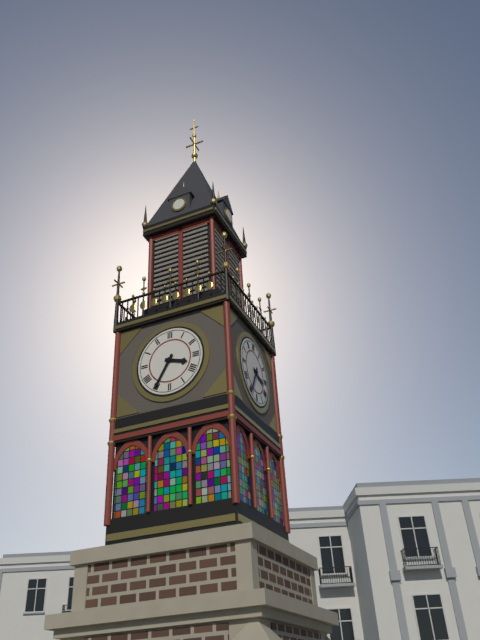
3:35
